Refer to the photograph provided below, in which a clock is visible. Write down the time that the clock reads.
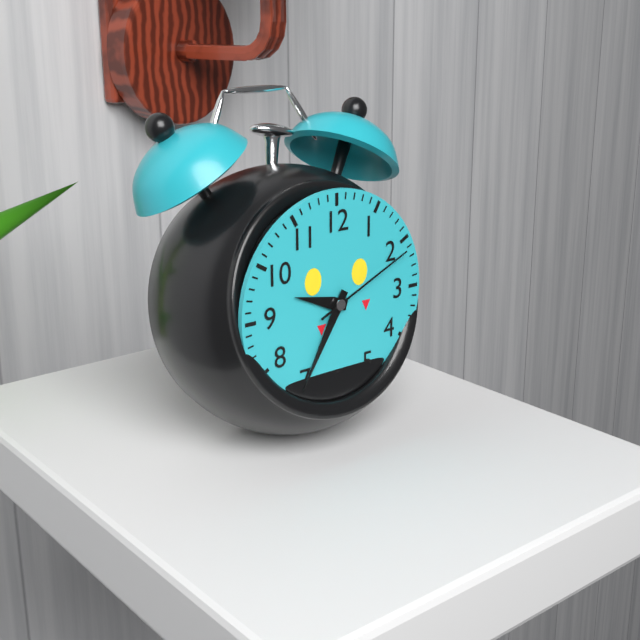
9:35:11
